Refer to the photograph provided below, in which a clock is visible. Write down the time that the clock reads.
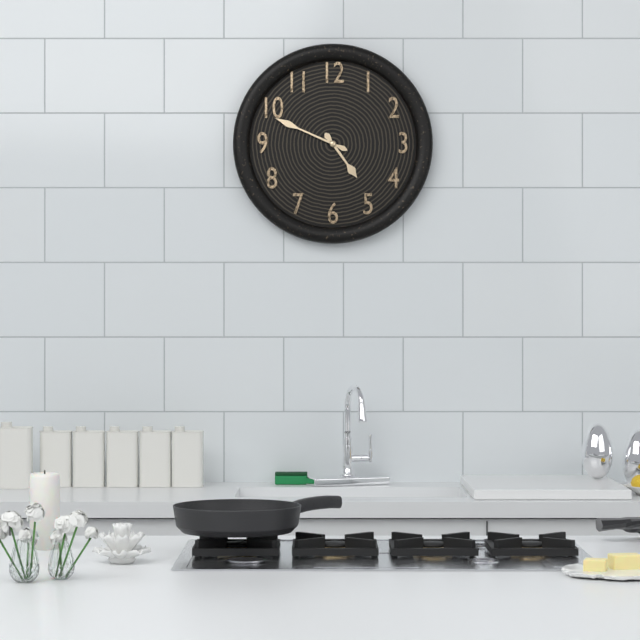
4:49
